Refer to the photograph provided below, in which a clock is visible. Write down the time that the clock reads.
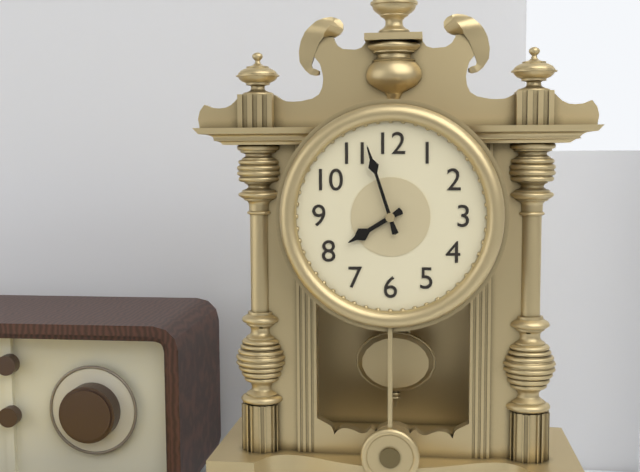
7:57
